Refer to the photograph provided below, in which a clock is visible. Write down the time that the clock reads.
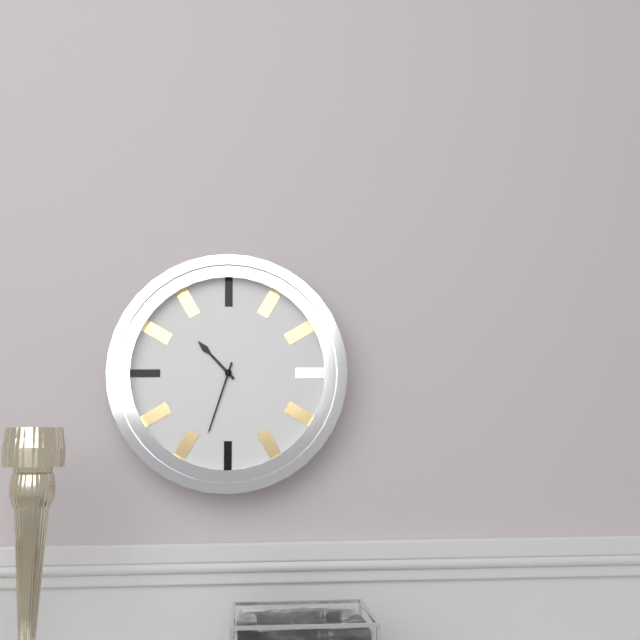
10:33
